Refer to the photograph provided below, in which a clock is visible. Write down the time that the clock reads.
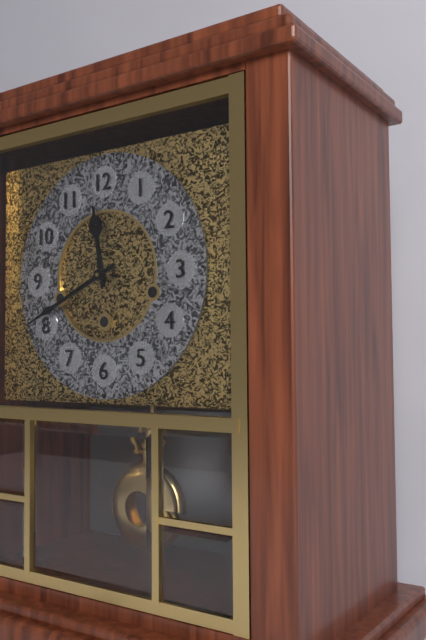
11:41
